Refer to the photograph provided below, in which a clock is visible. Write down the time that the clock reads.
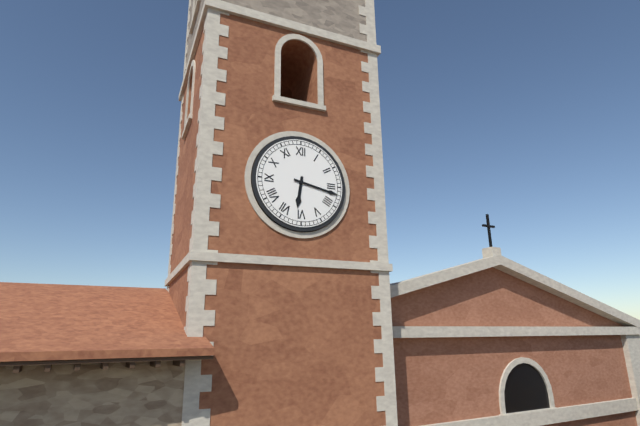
6:17
